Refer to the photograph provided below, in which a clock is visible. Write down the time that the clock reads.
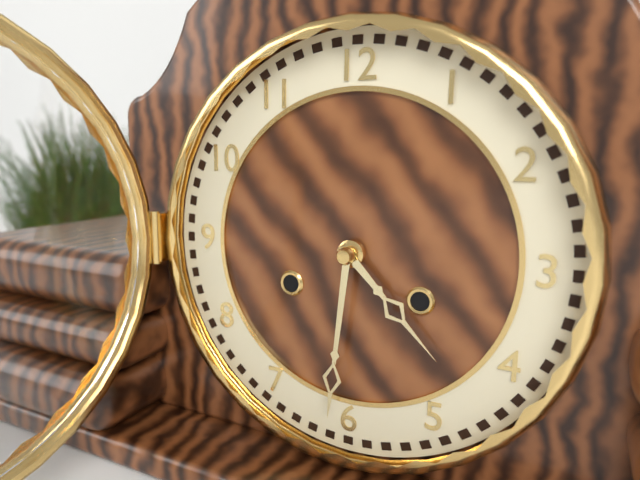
4:31
